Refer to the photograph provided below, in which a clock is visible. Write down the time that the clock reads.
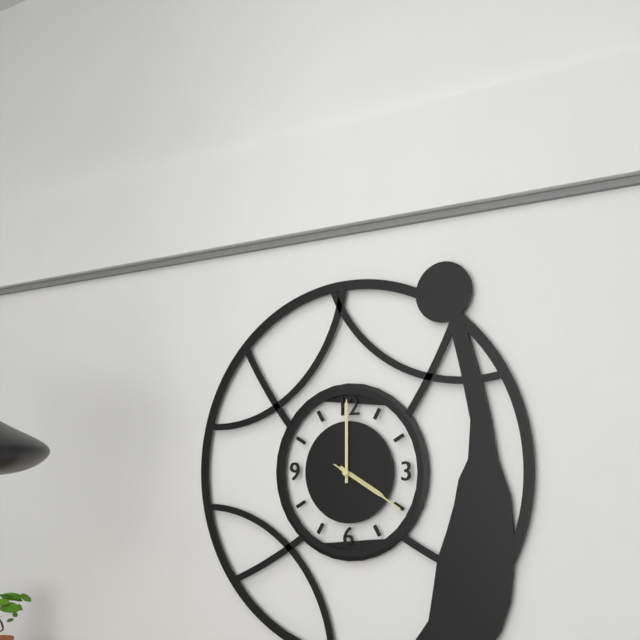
4:00:20
